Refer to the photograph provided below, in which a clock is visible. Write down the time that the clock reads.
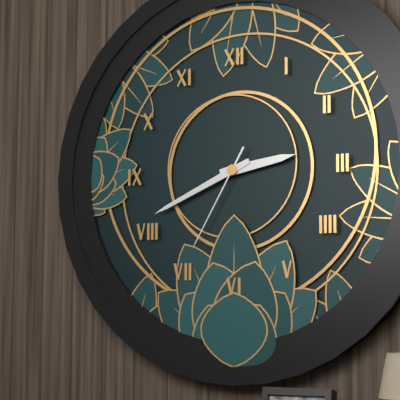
2:41:35
